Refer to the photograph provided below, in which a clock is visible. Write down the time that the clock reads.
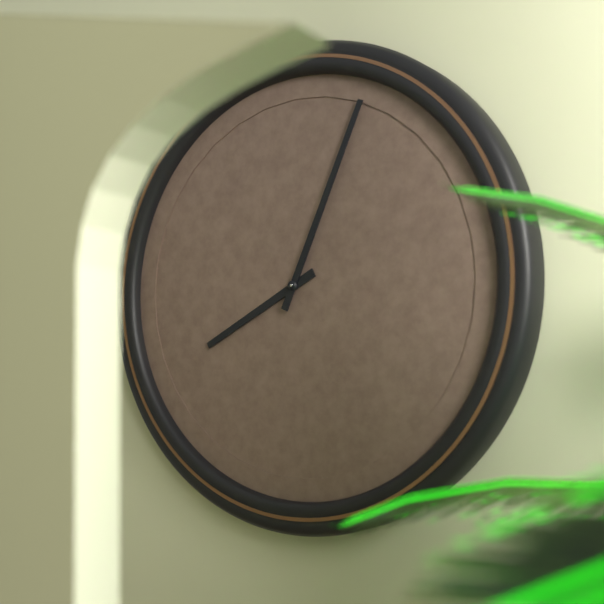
8:04
